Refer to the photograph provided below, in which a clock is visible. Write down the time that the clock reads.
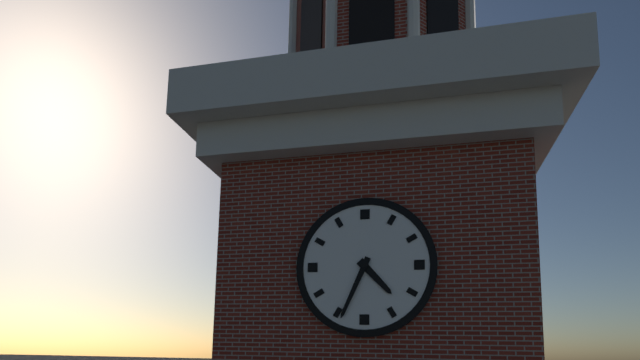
4:34
